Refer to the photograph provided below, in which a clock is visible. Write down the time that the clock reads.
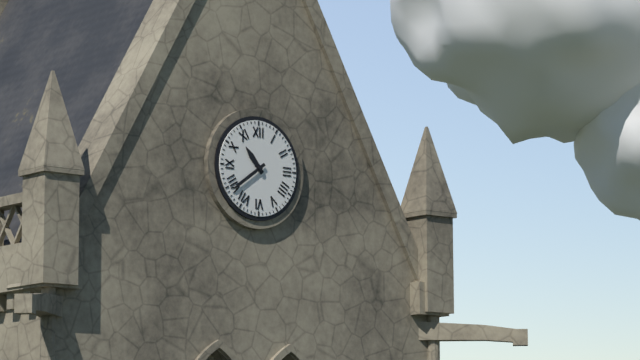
10:39
